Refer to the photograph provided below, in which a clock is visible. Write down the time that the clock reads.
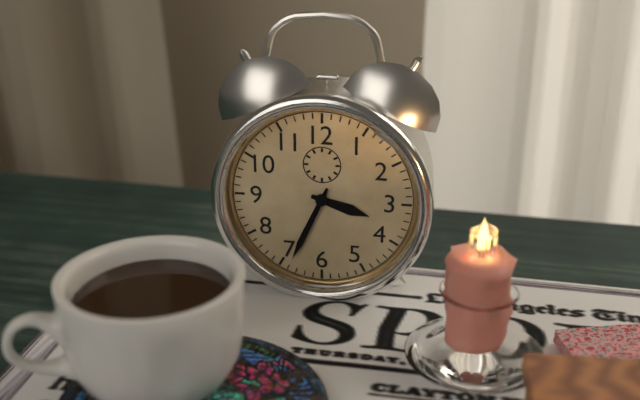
3:34
